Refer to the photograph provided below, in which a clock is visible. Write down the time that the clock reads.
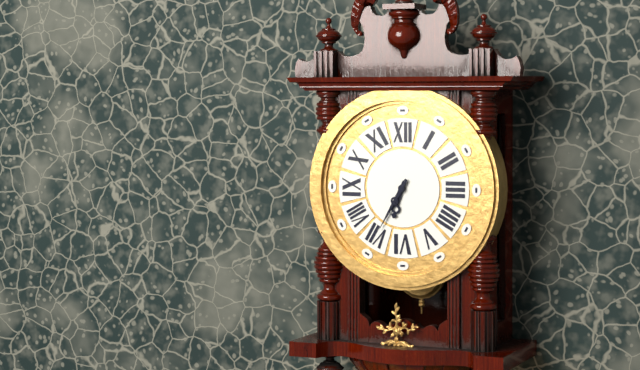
6:35
